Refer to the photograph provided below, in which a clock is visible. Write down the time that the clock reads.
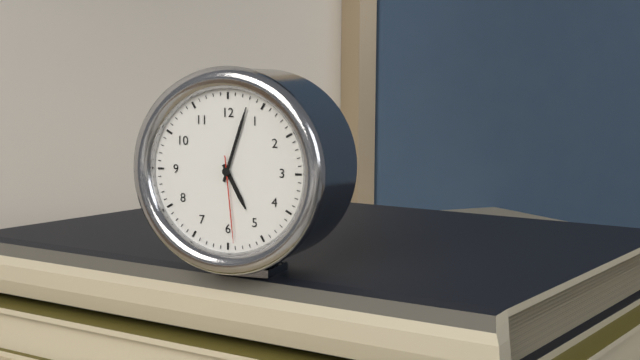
5:03:29
